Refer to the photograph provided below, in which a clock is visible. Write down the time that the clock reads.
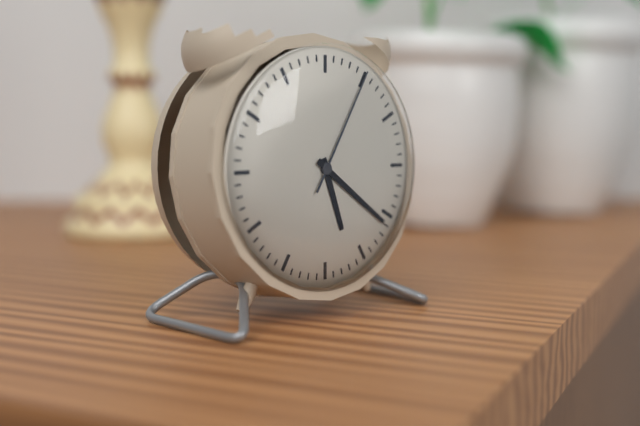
5:21:05
